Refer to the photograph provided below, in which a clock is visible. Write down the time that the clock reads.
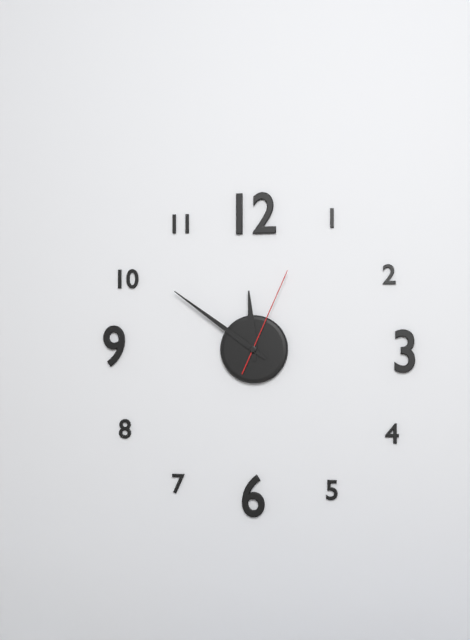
11:51:04
